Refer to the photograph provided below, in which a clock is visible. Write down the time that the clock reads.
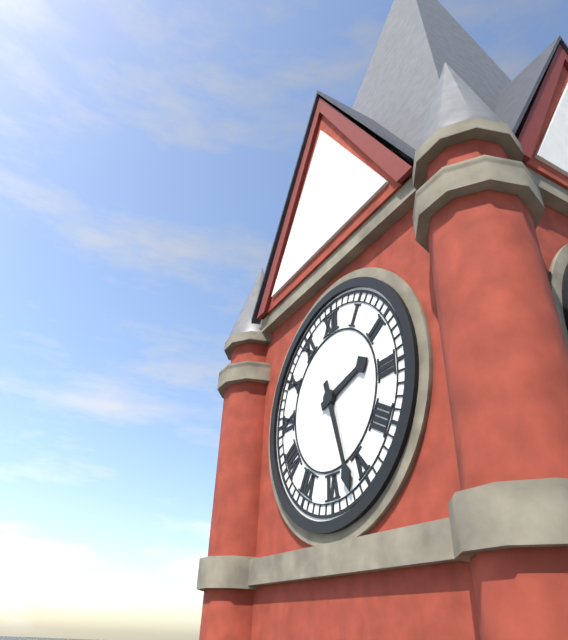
2:27
